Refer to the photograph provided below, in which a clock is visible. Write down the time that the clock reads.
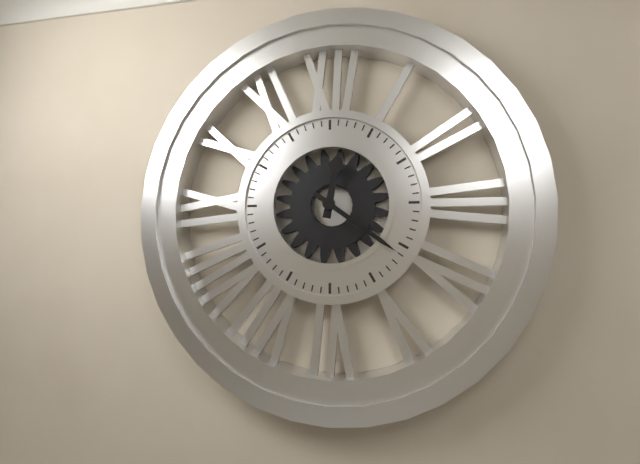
12:21
